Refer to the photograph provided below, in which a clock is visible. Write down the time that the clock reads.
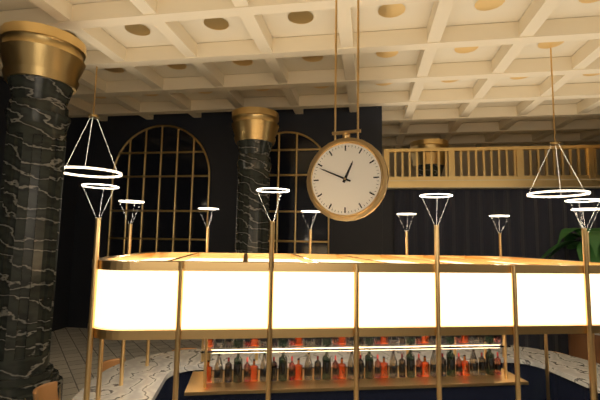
12:49
